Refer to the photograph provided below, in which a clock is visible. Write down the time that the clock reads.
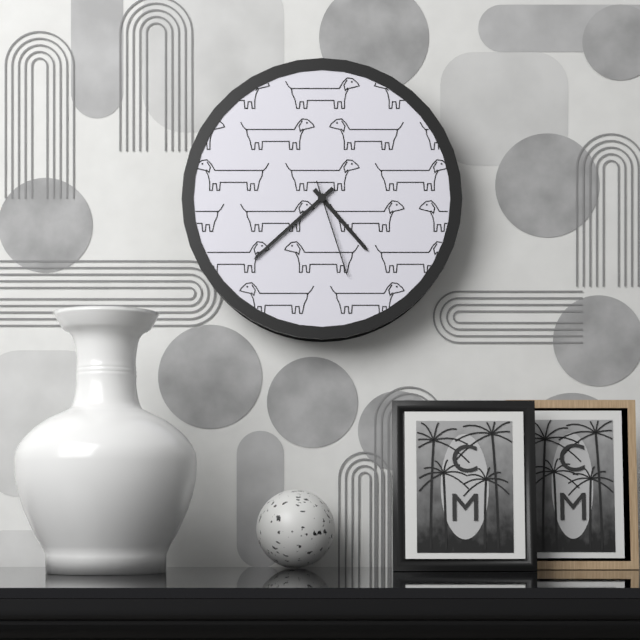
4:38:27
